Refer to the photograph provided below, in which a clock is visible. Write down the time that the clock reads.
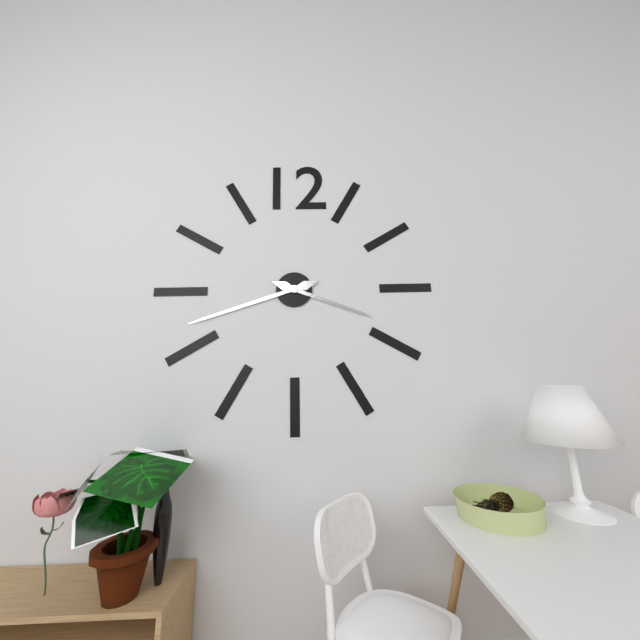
3:42
